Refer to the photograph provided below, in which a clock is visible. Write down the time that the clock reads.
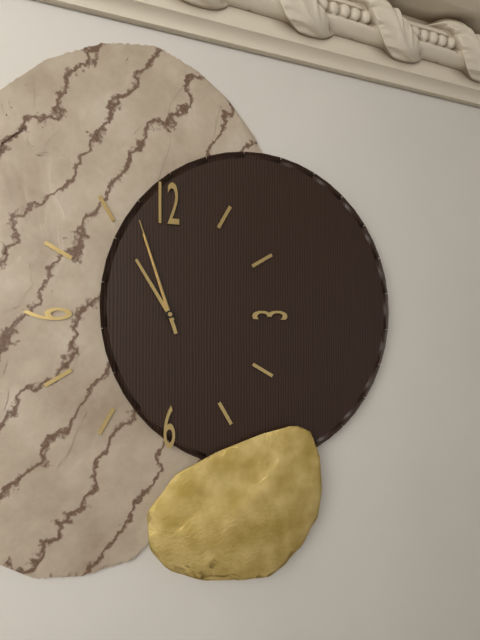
10:57:57
